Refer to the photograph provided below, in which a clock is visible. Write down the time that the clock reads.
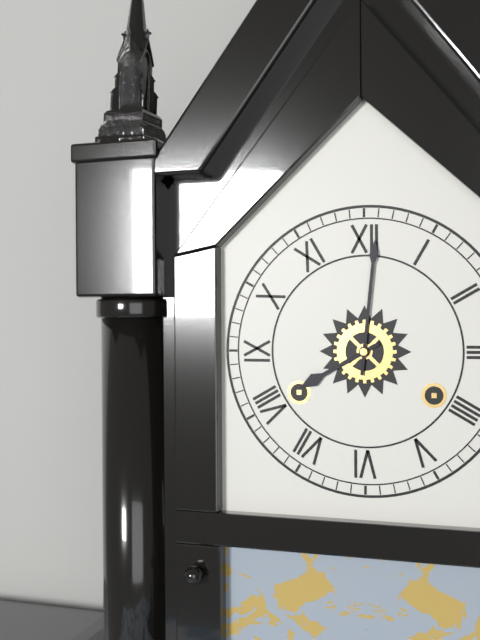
8:01
